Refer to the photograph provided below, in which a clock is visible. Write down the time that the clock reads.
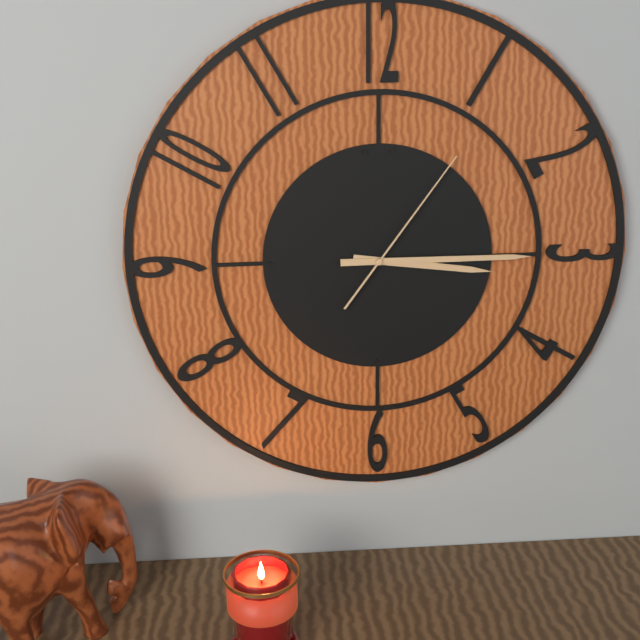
3:15:06
